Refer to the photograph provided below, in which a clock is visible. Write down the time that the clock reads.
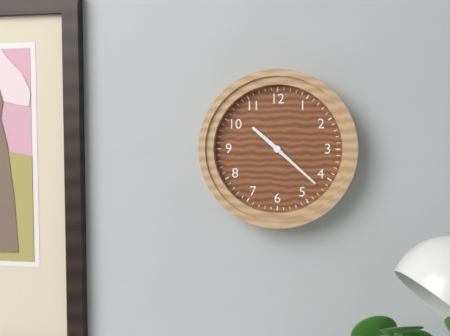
10:22
